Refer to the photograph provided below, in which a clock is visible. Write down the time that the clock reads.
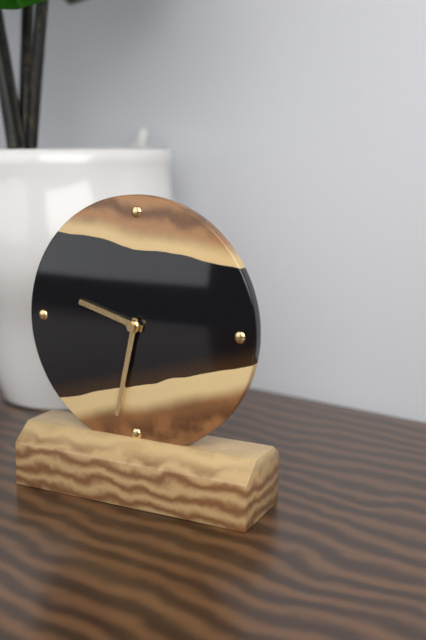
9:32
